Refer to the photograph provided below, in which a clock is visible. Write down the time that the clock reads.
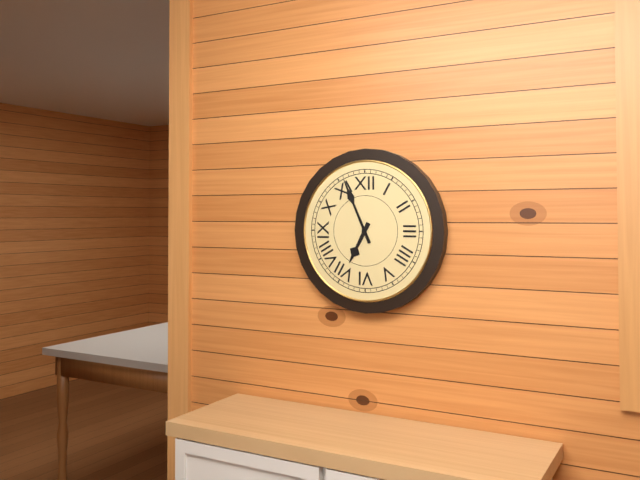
6:56
